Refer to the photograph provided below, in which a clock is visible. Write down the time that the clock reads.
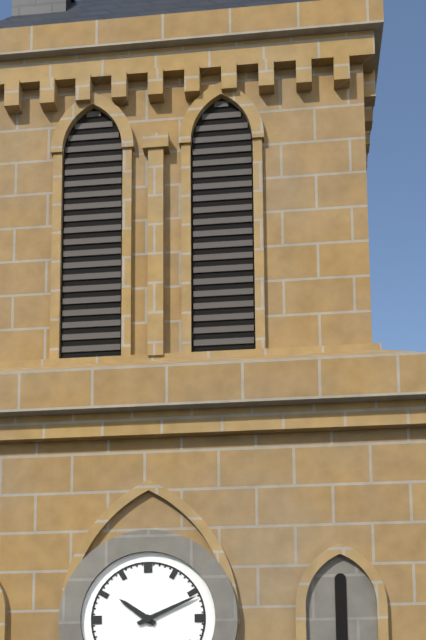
10:11
